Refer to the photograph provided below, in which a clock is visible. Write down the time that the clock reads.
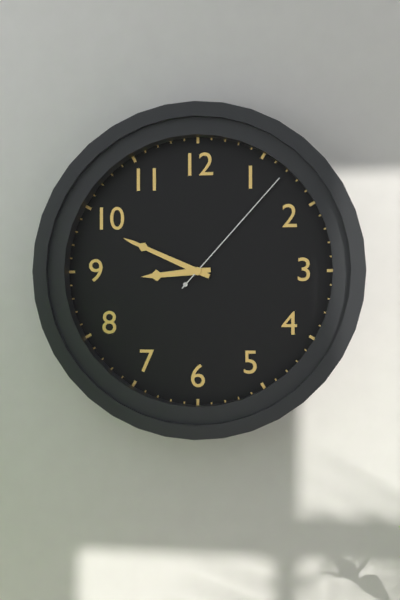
8:49:07
